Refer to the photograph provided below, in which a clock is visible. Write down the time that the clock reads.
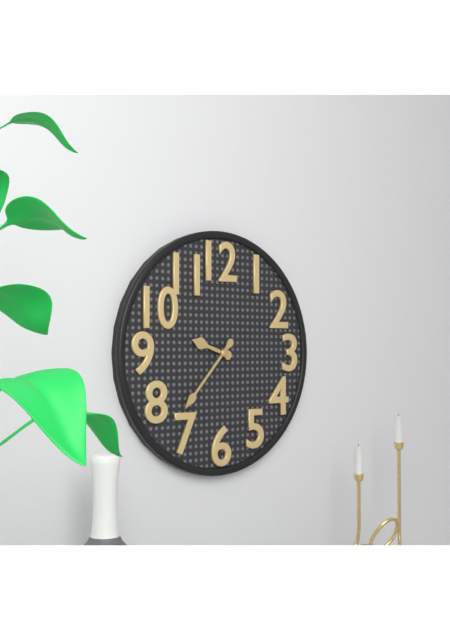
9:37
